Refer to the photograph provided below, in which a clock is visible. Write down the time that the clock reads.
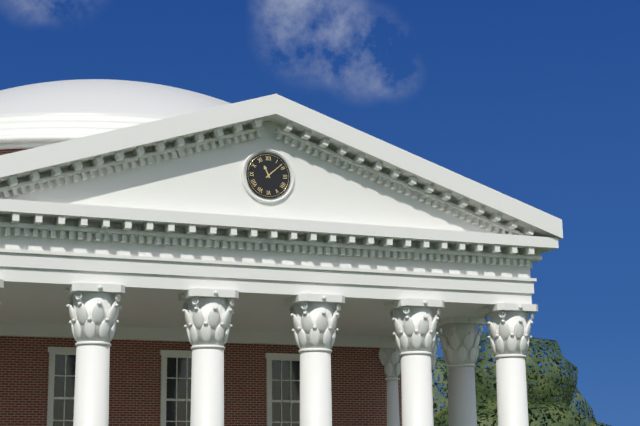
11:08
